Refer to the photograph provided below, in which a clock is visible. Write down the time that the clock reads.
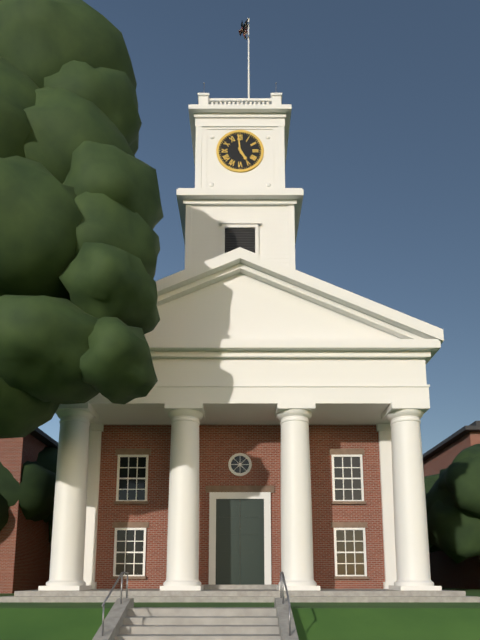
4:59
